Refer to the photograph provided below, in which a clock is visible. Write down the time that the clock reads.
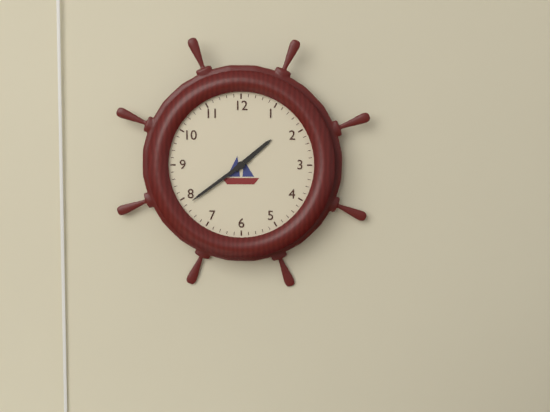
1:39
